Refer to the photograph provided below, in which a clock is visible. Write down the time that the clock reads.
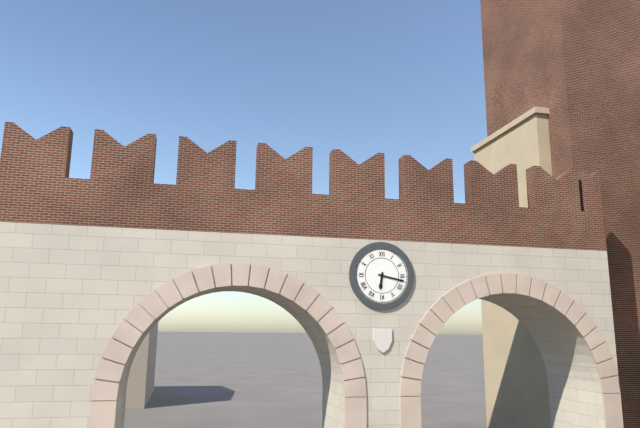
6:17
